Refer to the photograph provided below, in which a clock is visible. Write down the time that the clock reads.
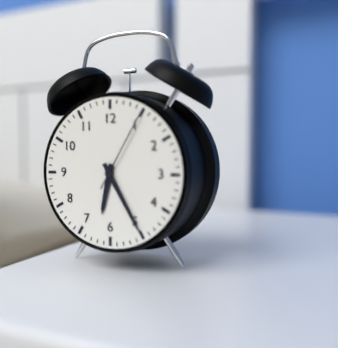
6:25:05
